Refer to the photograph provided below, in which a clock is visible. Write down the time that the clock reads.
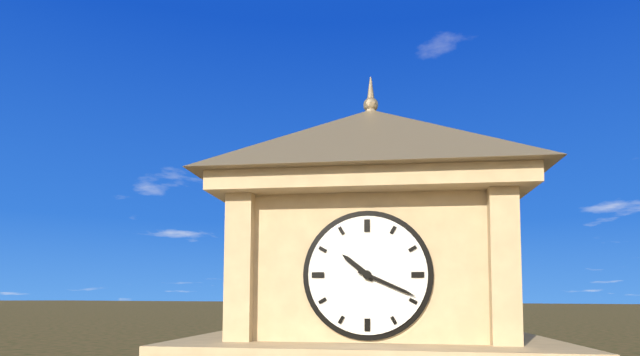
10:19
